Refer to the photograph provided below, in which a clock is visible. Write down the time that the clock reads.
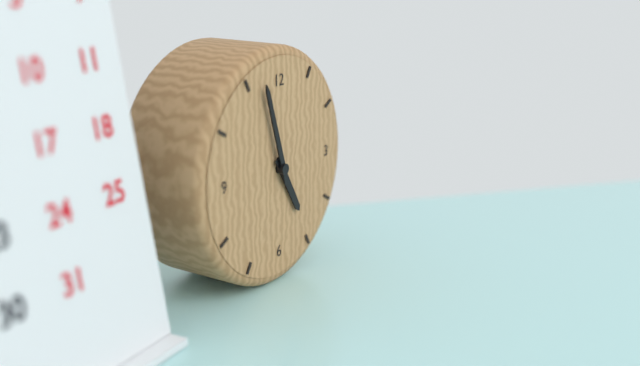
4:57
